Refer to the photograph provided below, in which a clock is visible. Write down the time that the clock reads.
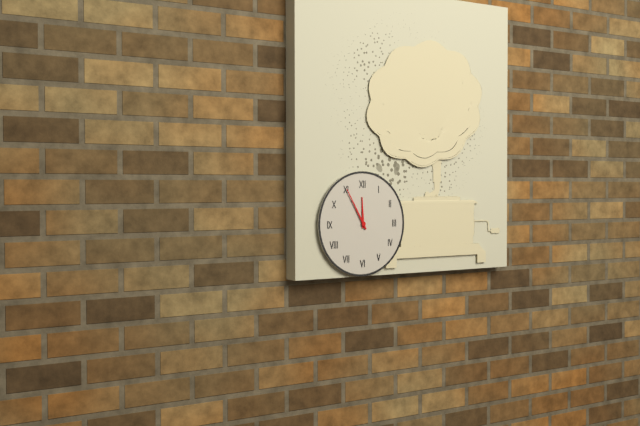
11:55
